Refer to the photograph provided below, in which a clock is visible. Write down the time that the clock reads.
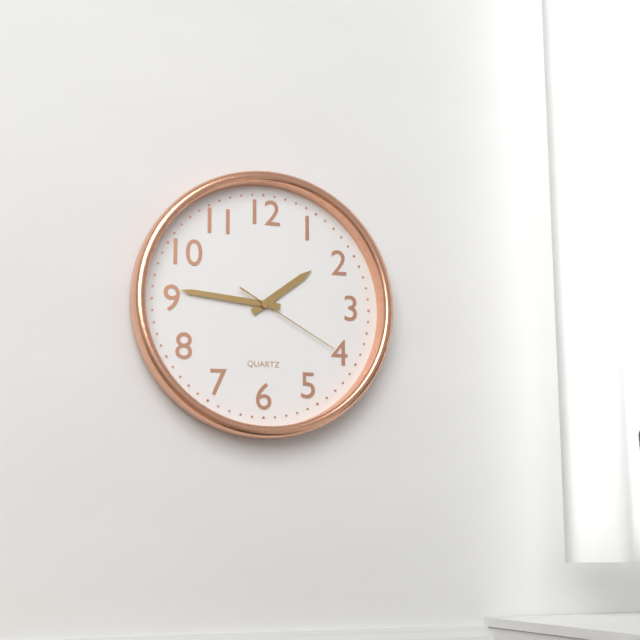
1:46:20
